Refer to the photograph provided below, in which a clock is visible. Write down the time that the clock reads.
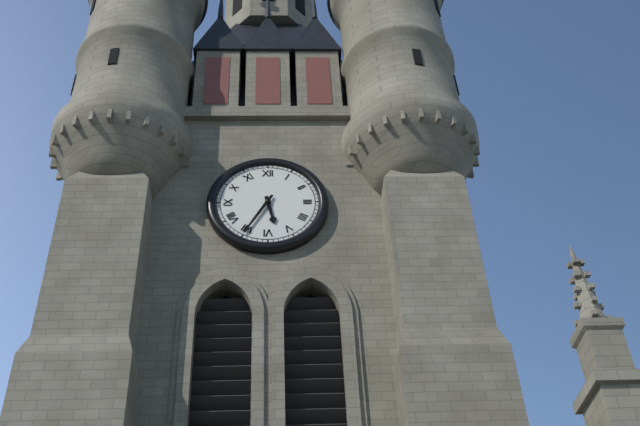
5:35
